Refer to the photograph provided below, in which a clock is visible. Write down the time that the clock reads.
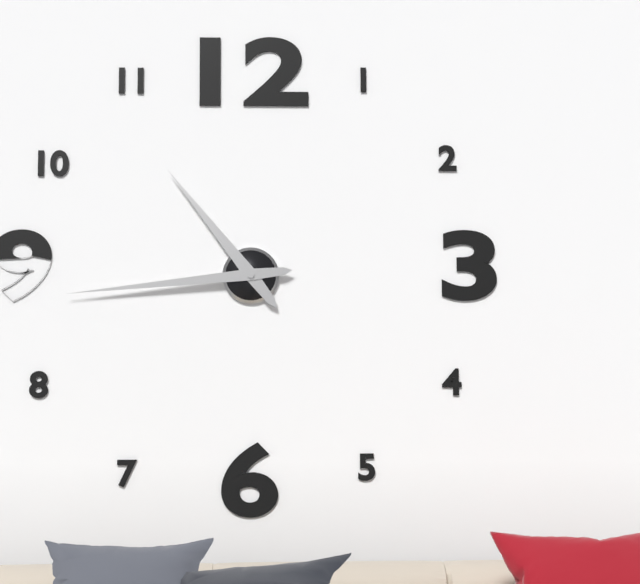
10:44
